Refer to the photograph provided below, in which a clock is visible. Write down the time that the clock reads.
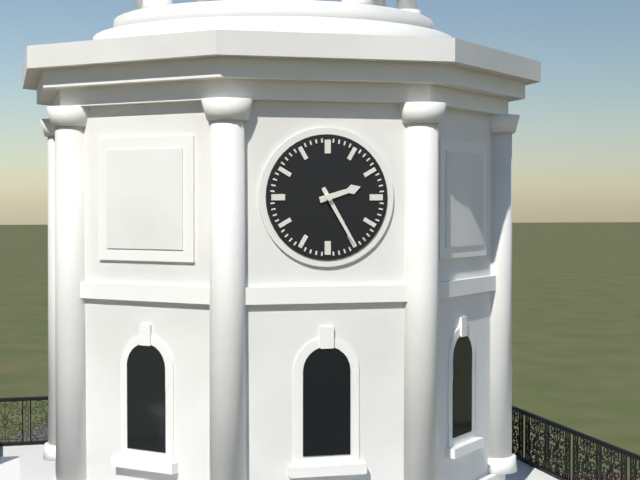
2:25
